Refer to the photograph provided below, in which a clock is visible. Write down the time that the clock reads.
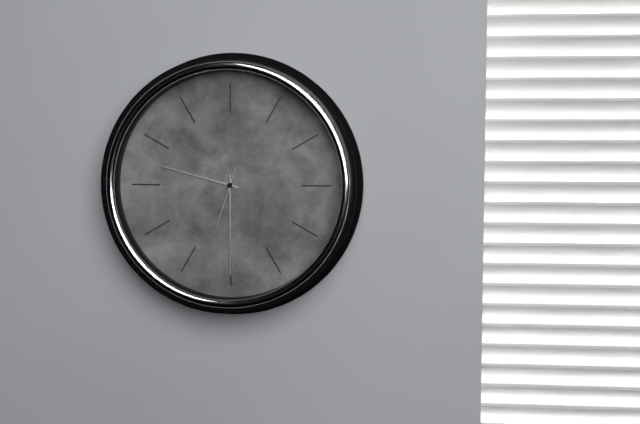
9:30:33
